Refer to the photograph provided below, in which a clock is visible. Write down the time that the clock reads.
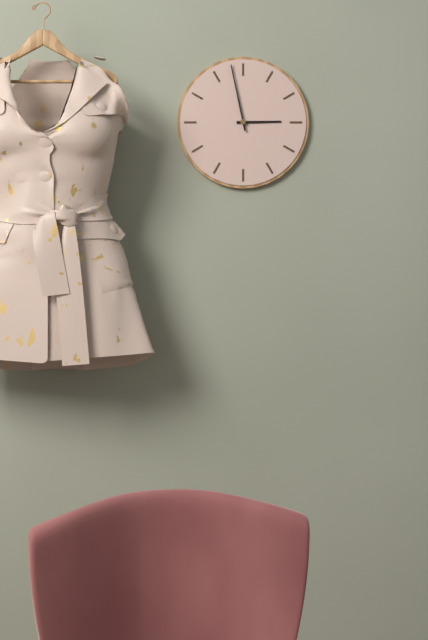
2:58
